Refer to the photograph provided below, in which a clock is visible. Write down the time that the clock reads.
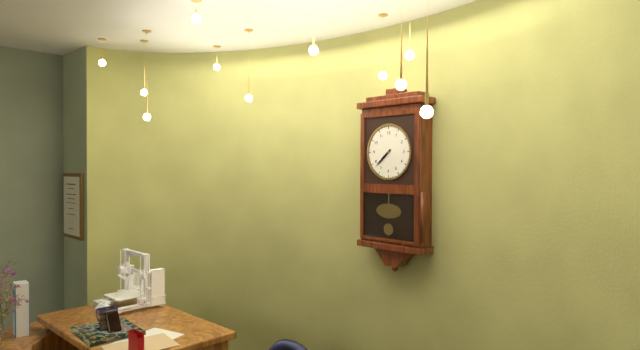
7:38
